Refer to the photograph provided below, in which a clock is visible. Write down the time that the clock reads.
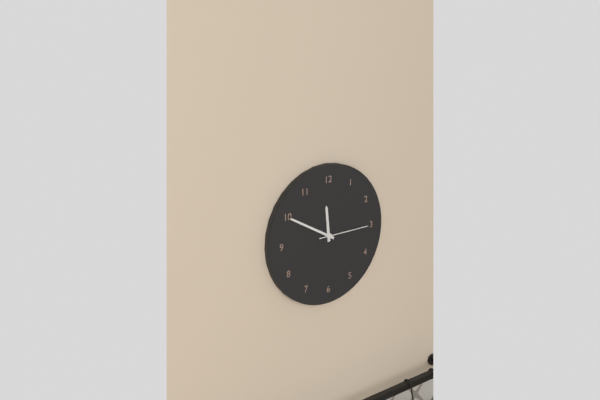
11:50:15
